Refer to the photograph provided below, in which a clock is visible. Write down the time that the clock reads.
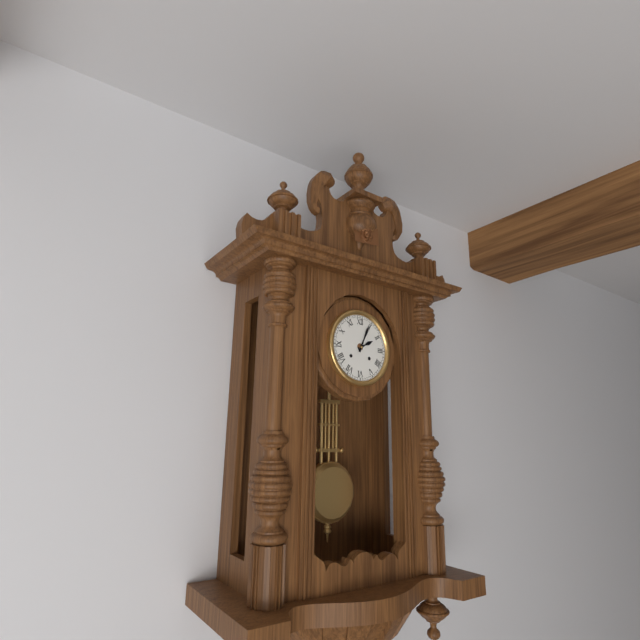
2:04
